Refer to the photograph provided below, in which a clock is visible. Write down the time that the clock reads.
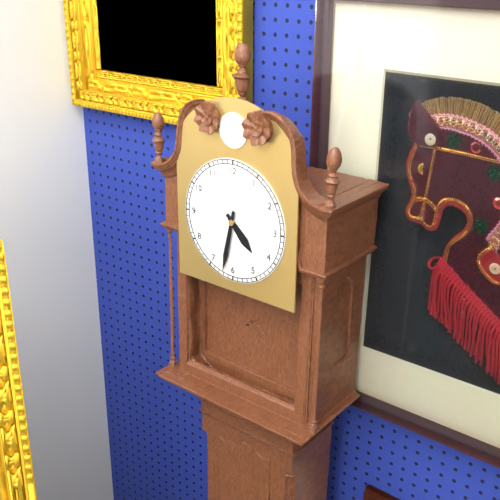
4:32
